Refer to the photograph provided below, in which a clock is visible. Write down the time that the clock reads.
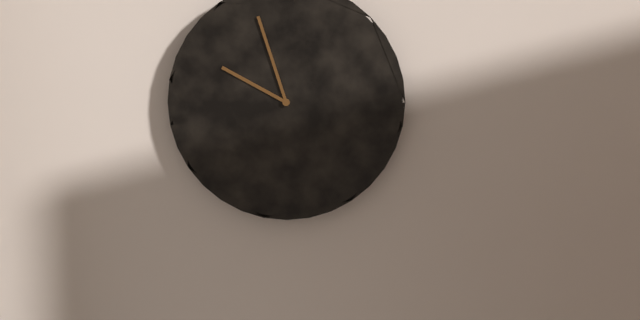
9:57
